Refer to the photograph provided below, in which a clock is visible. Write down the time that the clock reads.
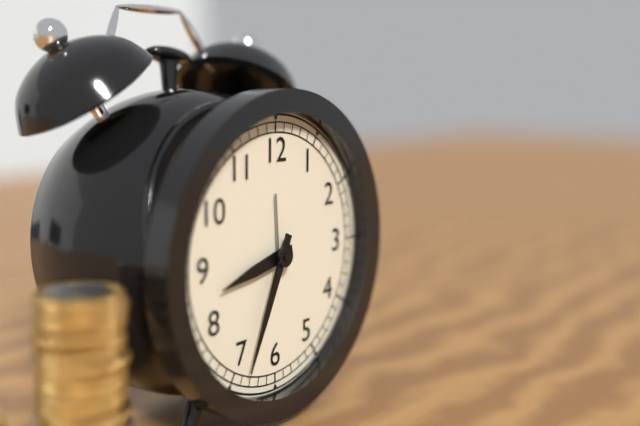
8:34
